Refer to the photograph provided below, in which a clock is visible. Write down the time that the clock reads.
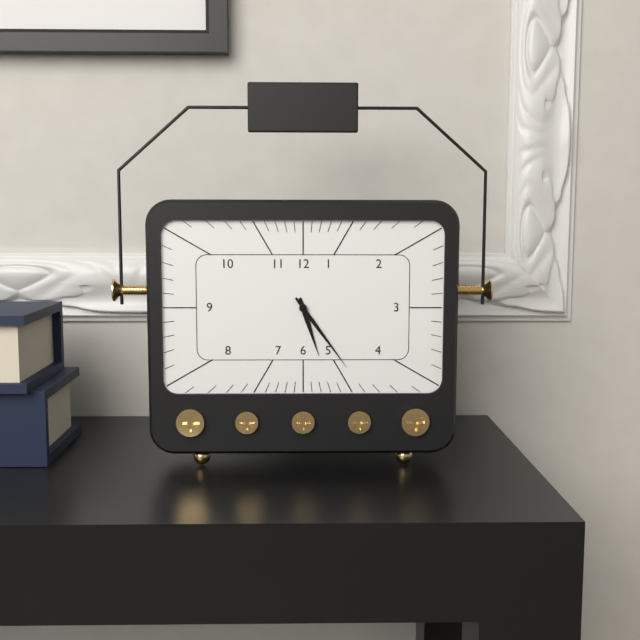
5:24
